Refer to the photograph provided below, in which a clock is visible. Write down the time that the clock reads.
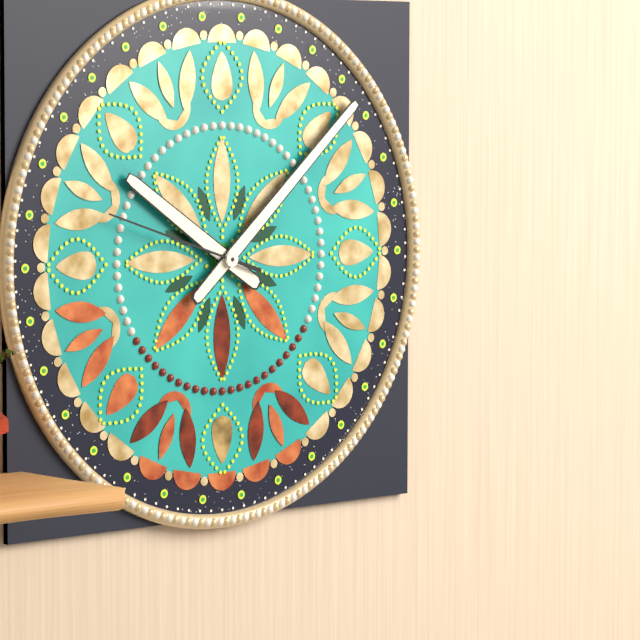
10:08:48
